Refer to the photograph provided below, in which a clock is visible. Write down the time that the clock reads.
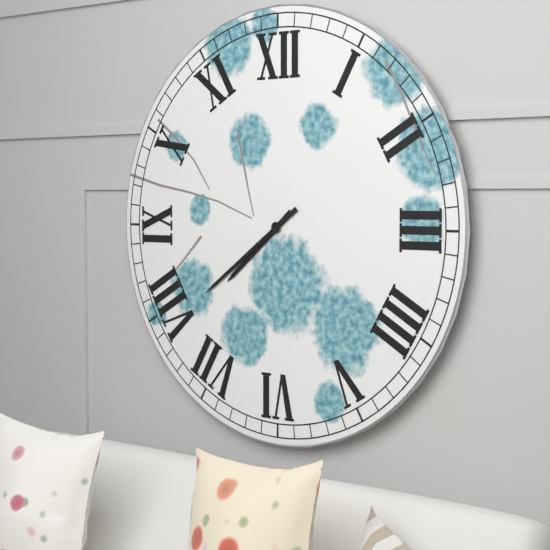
7:39
